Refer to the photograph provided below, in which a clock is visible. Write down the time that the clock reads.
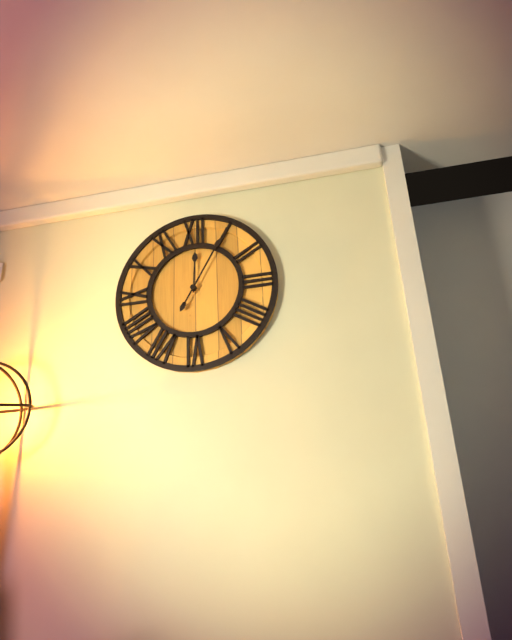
12:05
